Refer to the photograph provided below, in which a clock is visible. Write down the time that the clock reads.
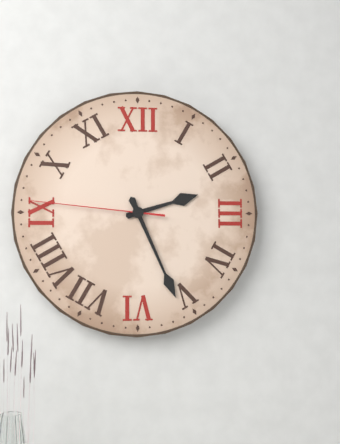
2:26:46
